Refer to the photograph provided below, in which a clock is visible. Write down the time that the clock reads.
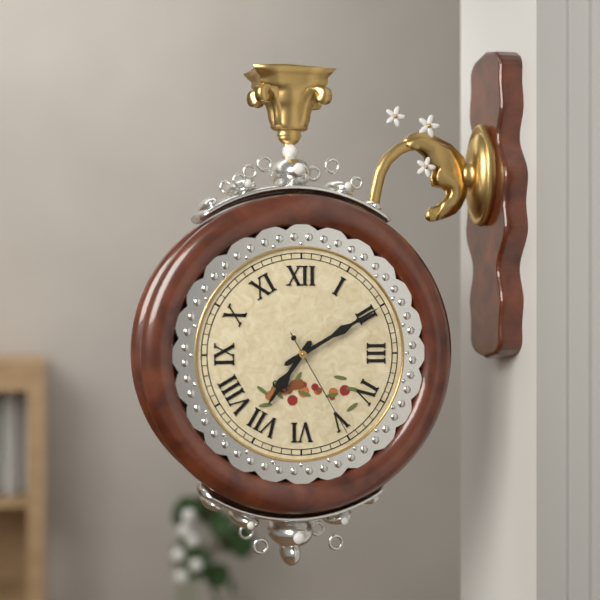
7:10:25
